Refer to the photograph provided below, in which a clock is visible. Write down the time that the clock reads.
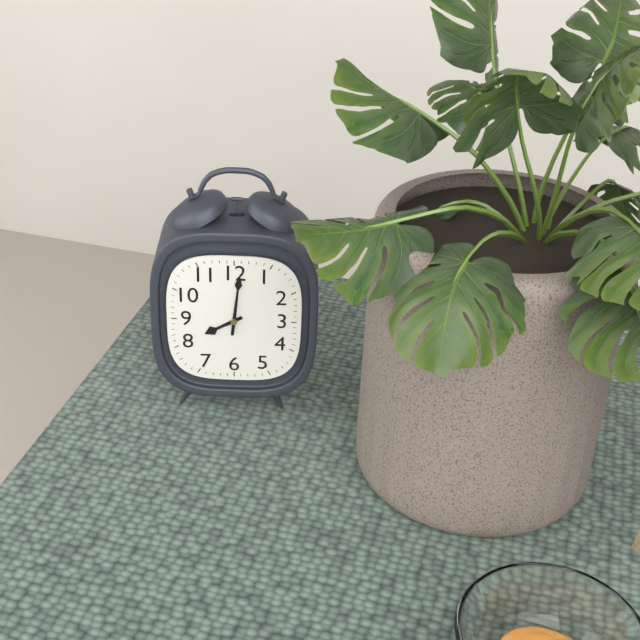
8:01
